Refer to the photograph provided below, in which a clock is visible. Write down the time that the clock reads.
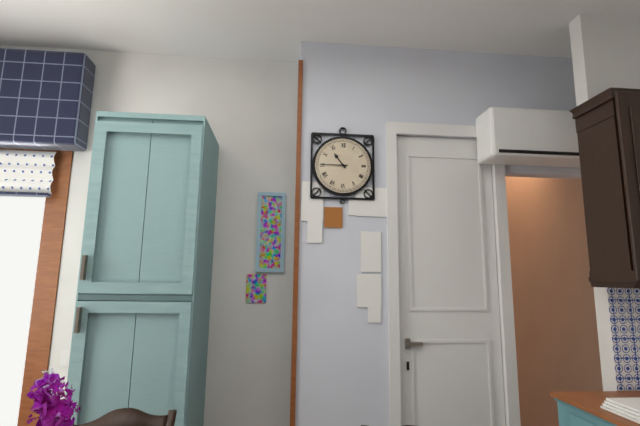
10:45
